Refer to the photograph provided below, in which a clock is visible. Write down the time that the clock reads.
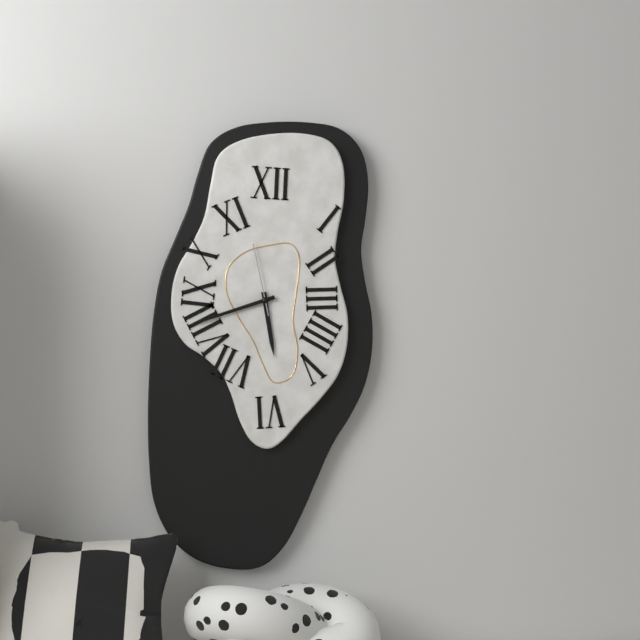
5:42:58
